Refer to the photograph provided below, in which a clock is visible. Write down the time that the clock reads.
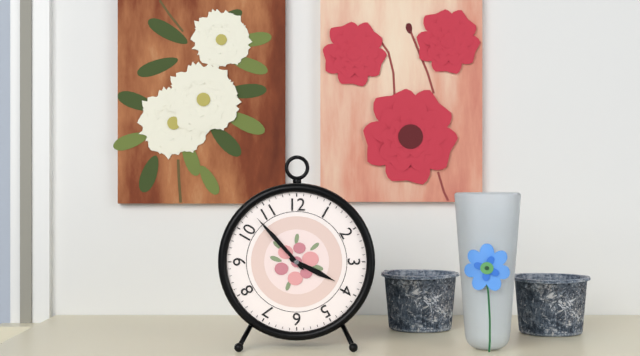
3:53
